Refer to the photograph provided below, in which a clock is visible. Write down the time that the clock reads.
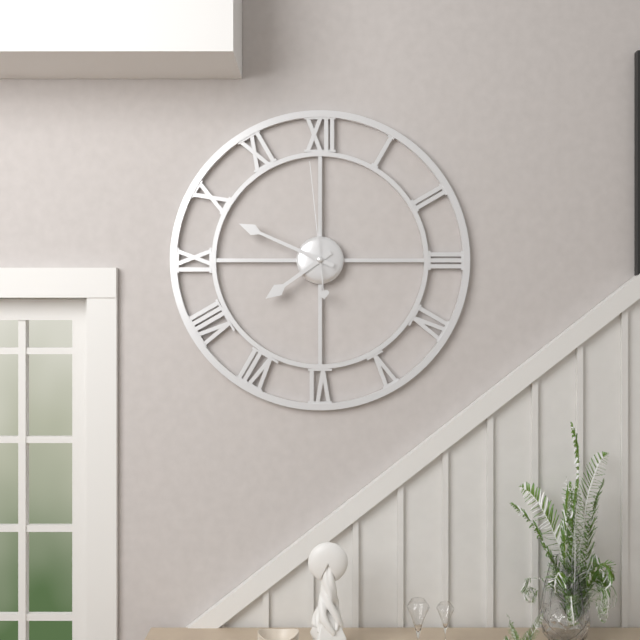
7:49:59
